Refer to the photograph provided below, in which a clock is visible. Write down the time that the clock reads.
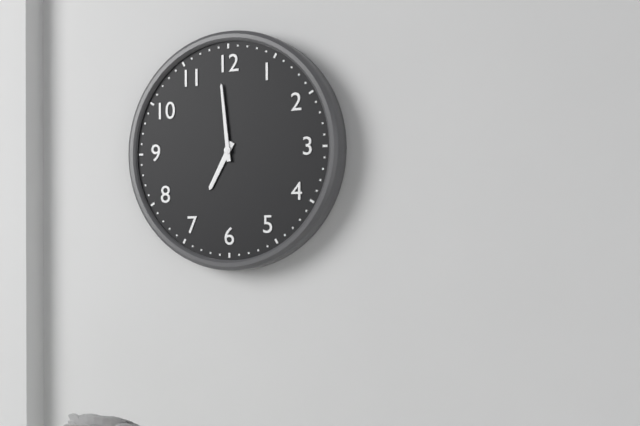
6:59
